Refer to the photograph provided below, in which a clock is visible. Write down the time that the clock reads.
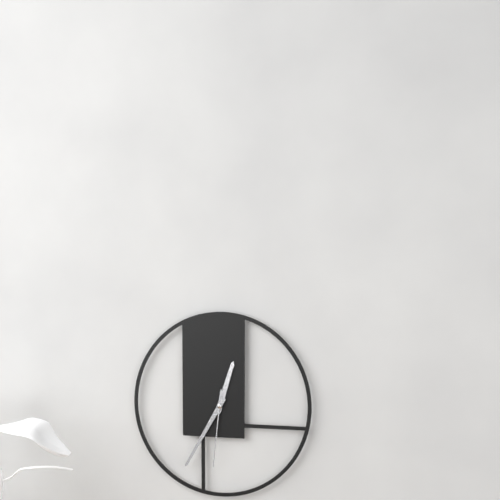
12:35:31
